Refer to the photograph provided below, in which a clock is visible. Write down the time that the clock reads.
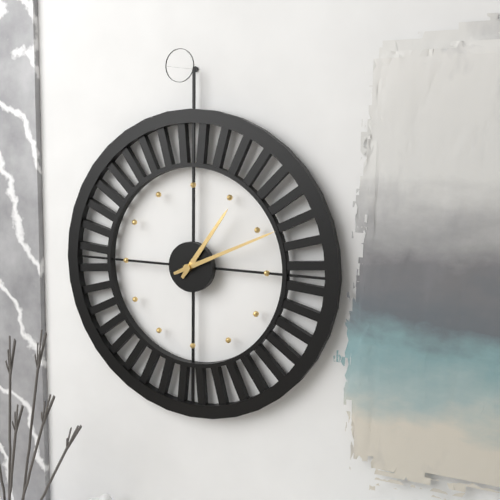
1:11
